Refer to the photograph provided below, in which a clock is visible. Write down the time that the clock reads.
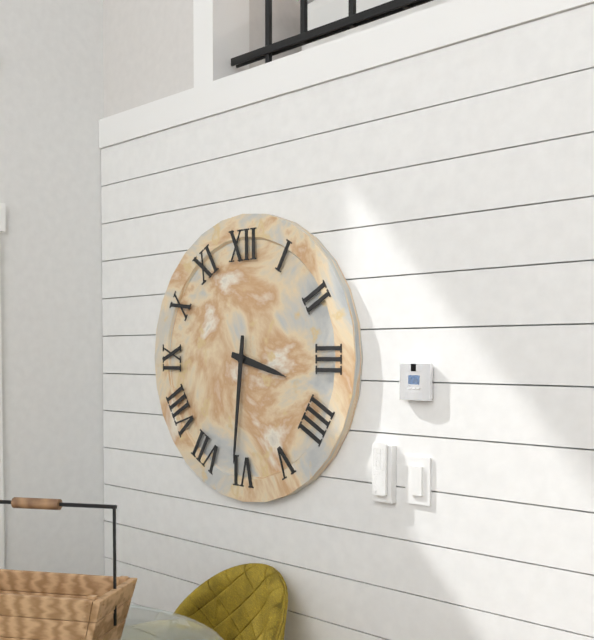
3:31
